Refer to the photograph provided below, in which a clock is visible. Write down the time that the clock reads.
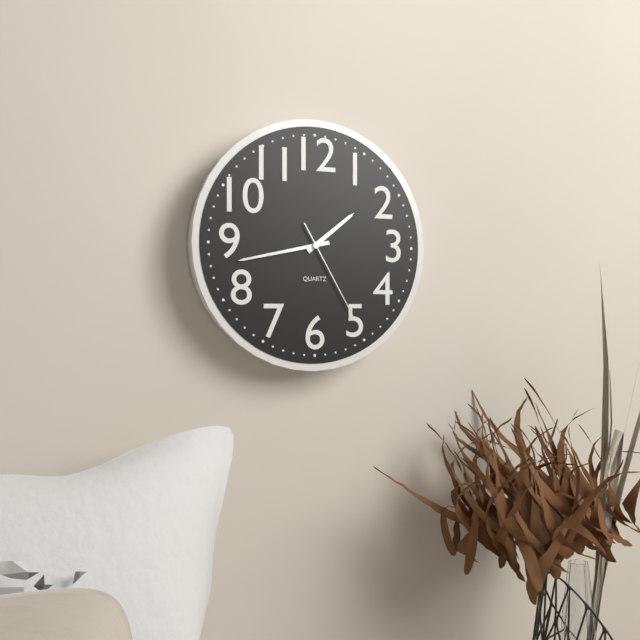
1:43:25
